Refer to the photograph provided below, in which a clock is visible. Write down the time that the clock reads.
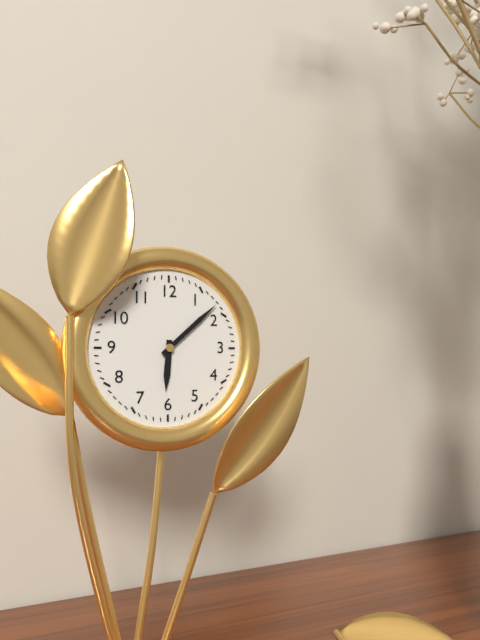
6:08
